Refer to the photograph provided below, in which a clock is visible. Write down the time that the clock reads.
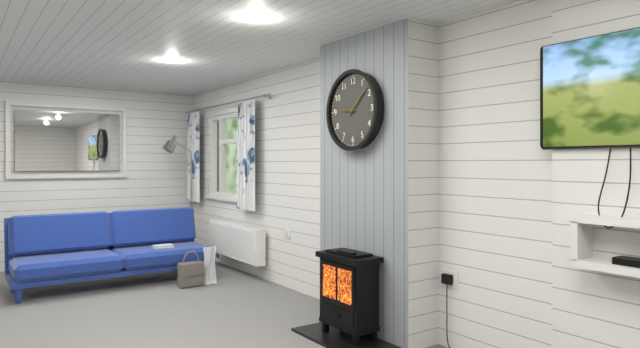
9:08
